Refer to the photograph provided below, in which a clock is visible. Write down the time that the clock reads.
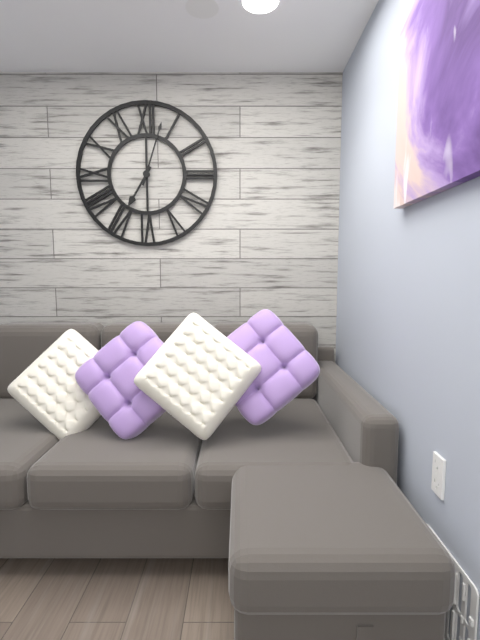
7:03
